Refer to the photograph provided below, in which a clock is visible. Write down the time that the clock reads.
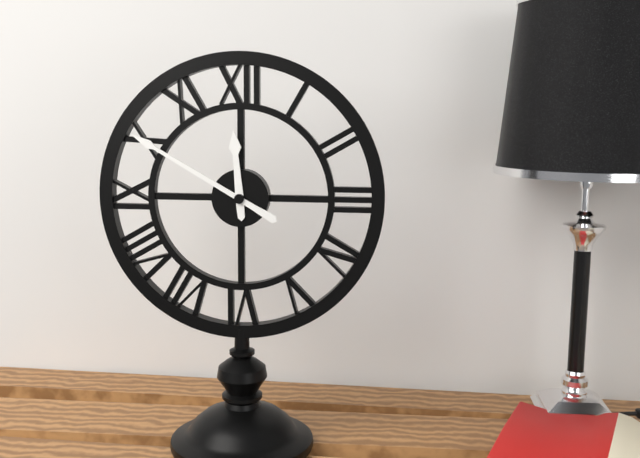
11:50
